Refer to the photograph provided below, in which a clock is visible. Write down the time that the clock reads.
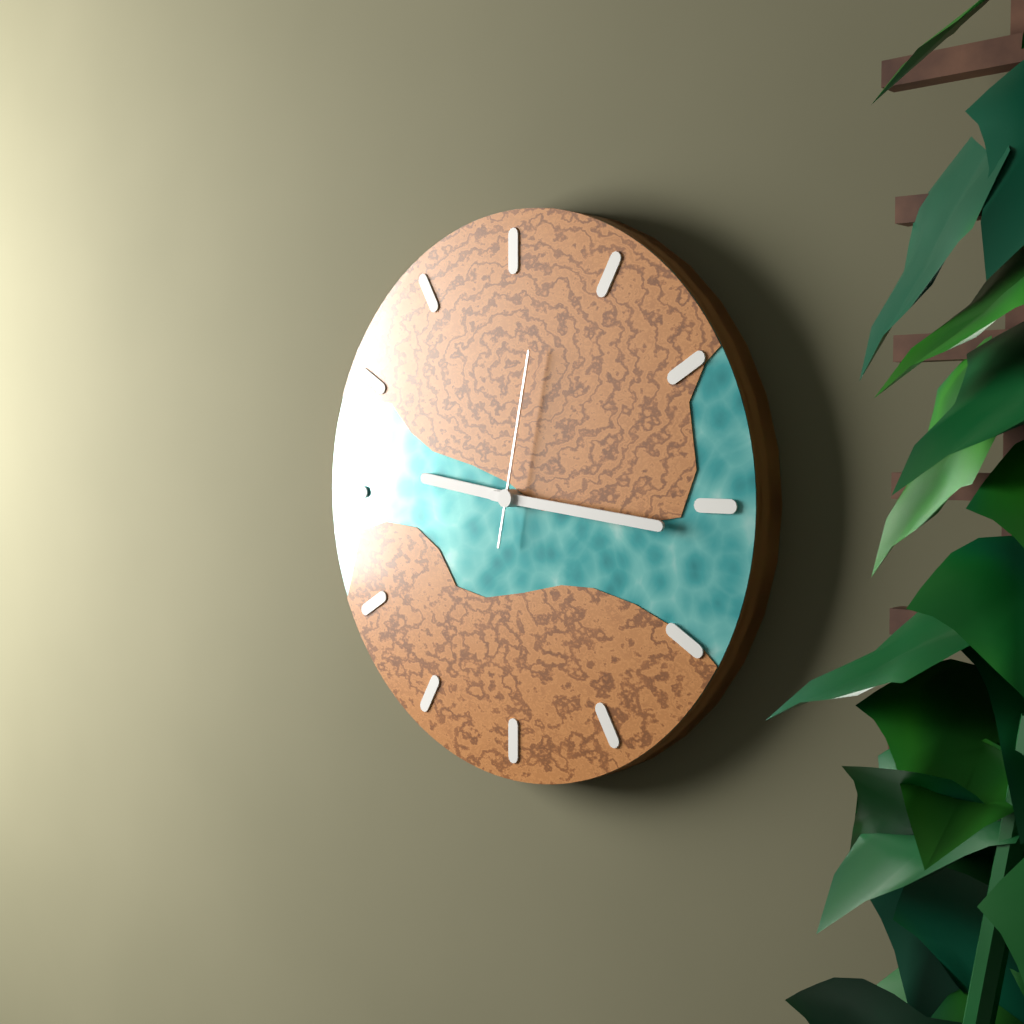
9:16:02
